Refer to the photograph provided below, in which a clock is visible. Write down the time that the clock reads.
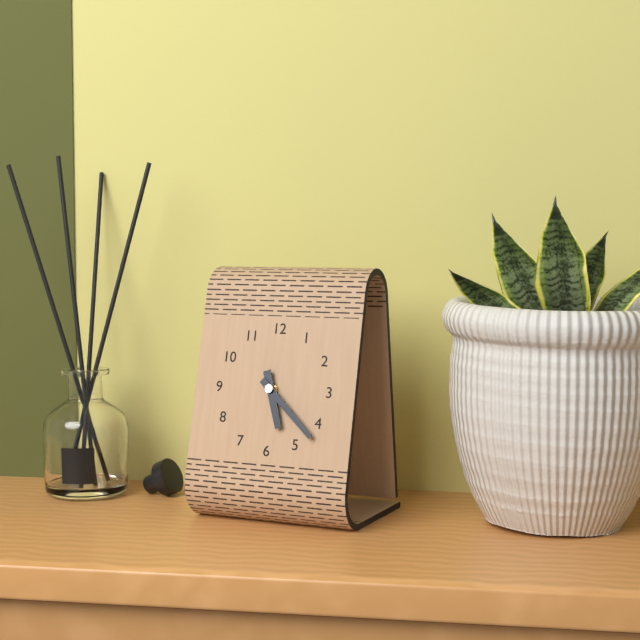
5:22
